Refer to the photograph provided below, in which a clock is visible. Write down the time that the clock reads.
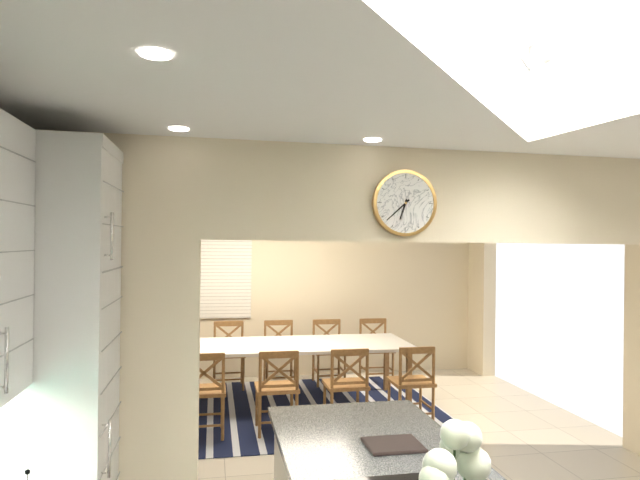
6:38
